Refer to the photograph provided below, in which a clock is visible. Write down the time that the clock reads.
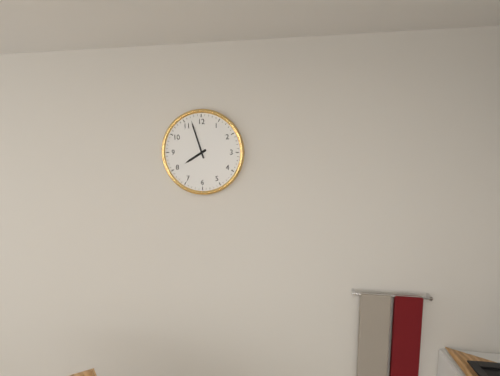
7:57
